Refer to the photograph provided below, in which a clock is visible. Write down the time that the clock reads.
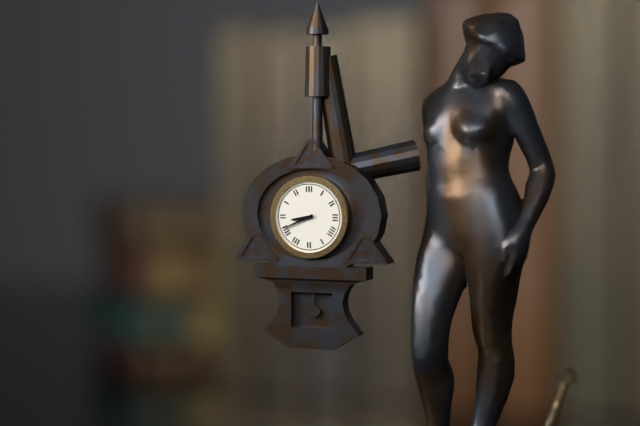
8:41
